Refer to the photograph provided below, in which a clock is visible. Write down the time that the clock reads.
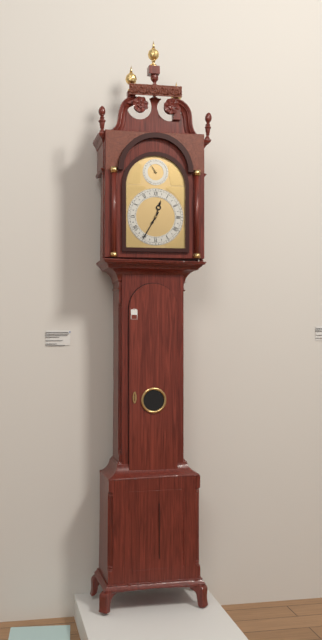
12:35
